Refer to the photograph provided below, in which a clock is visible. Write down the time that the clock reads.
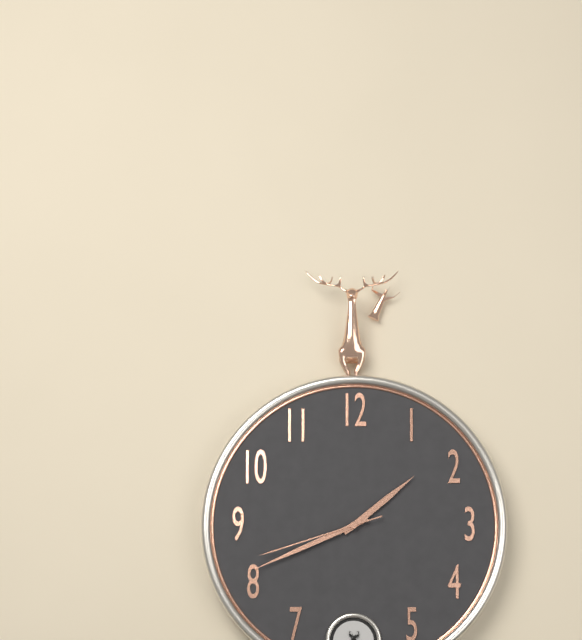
1:41:42
